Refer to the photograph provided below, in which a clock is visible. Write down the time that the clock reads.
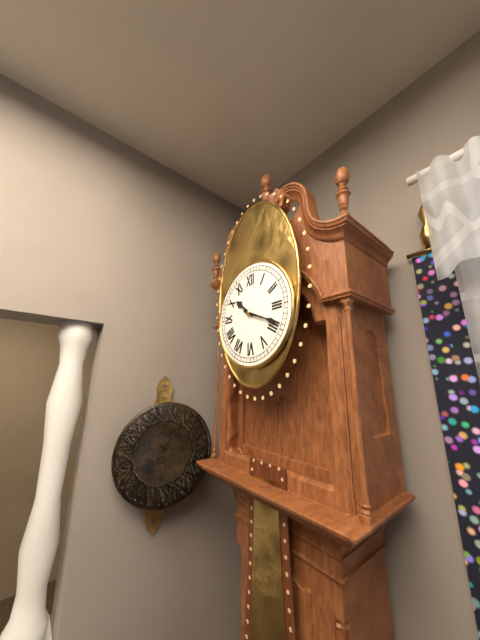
10:19
